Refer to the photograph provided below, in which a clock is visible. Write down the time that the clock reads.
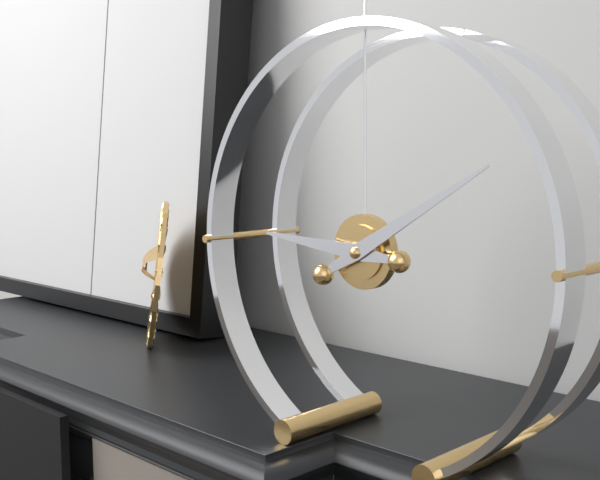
9:10
